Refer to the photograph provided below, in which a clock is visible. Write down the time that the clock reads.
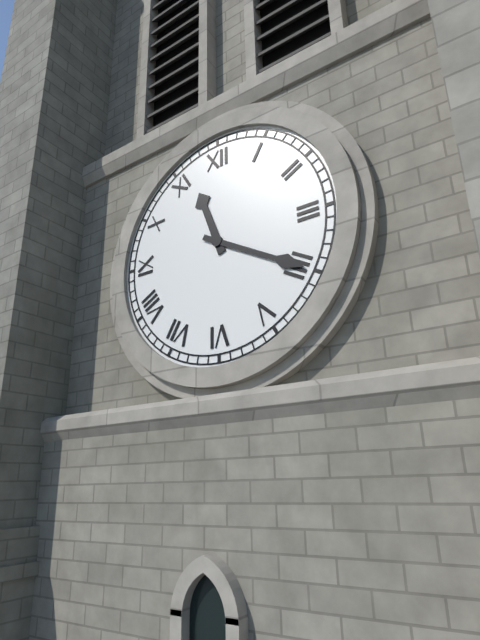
11:20
